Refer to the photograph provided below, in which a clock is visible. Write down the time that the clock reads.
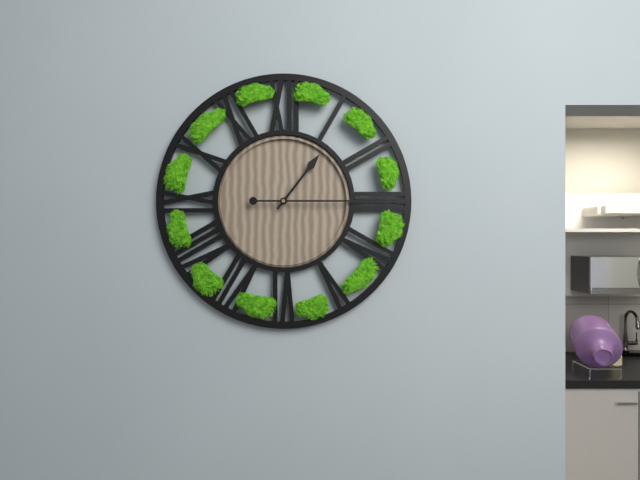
1:15
